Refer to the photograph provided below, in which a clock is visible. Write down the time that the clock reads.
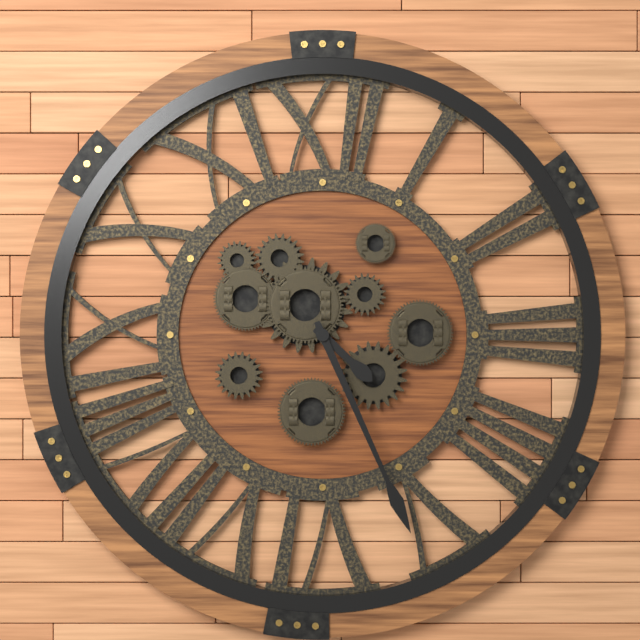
4:26
